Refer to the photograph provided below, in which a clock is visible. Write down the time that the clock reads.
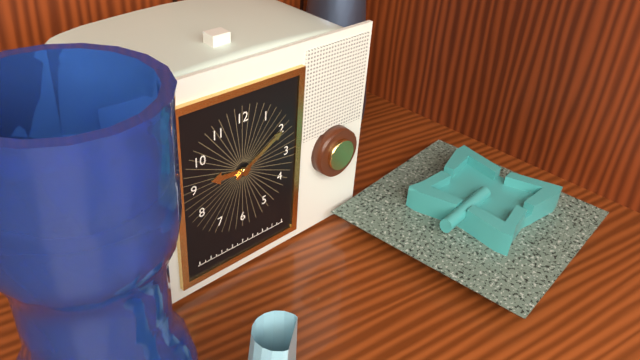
9:10
